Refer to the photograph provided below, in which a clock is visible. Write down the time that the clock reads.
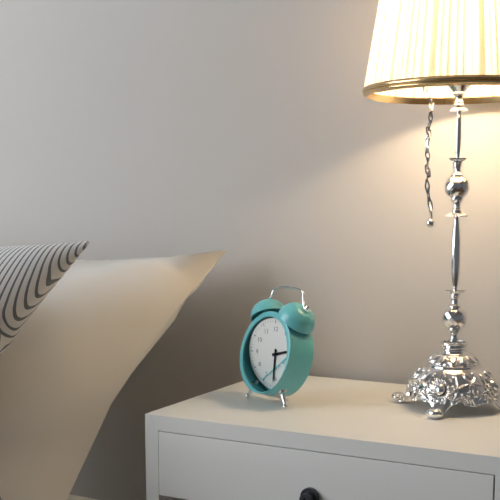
2:31
